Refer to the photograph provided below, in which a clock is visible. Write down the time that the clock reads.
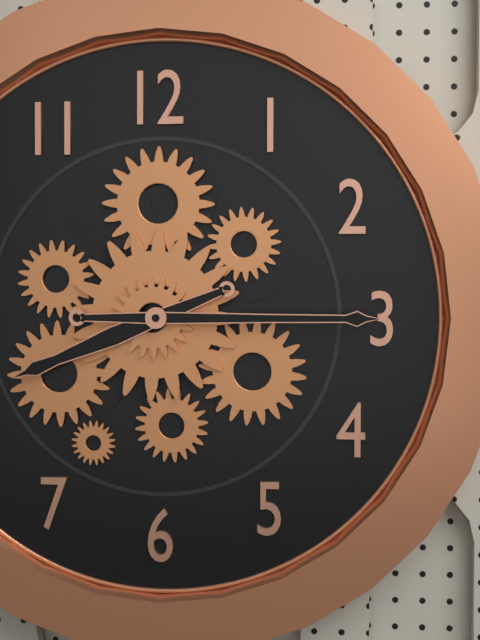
8:15
